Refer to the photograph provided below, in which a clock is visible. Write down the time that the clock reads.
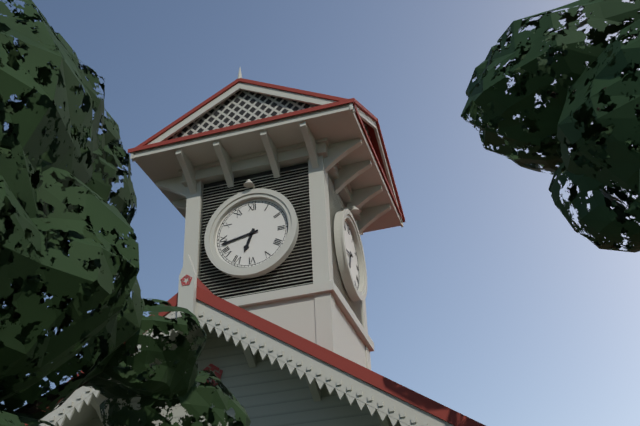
6:43
